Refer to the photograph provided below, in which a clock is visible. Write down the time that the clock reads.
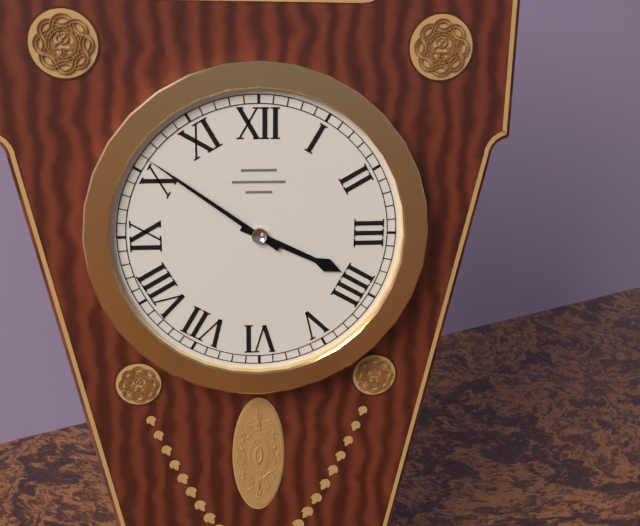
3:51
